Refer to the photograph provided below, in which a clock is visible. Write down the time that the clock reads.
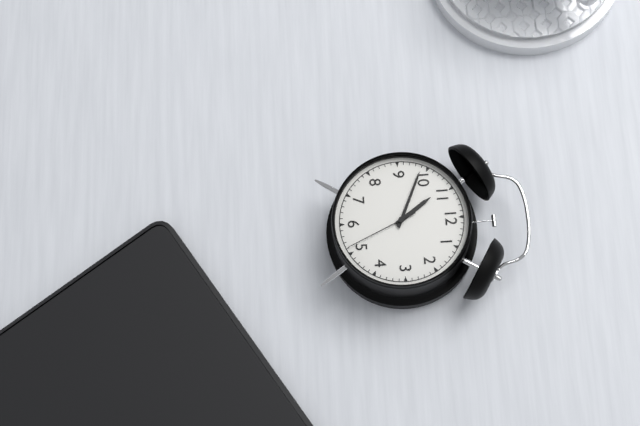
10:49:26
